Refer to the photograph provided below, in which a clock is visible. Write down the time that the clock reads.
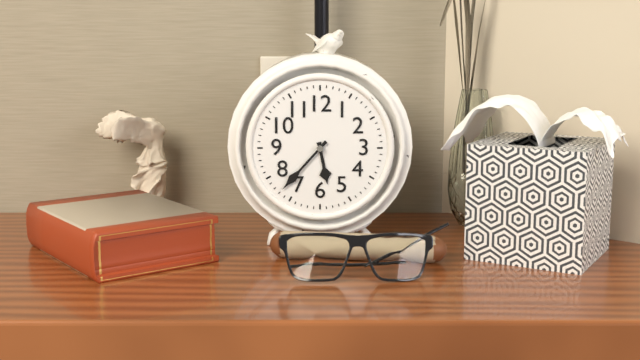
5:37
